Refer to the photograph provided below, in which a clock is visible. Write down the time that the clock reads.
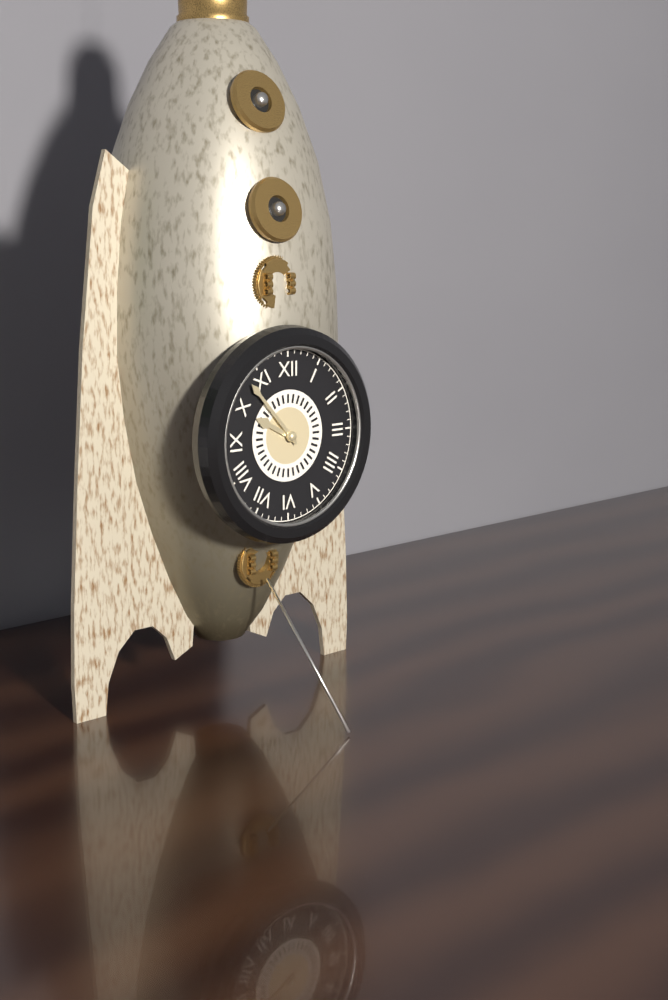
9:53
